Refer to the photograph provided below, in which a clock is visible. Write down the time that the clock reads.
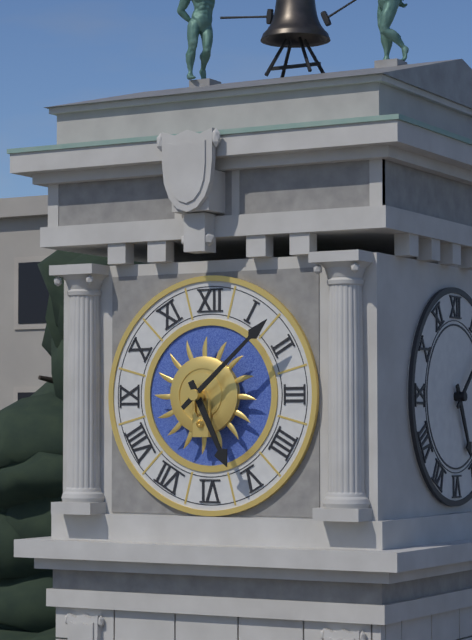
5:08
